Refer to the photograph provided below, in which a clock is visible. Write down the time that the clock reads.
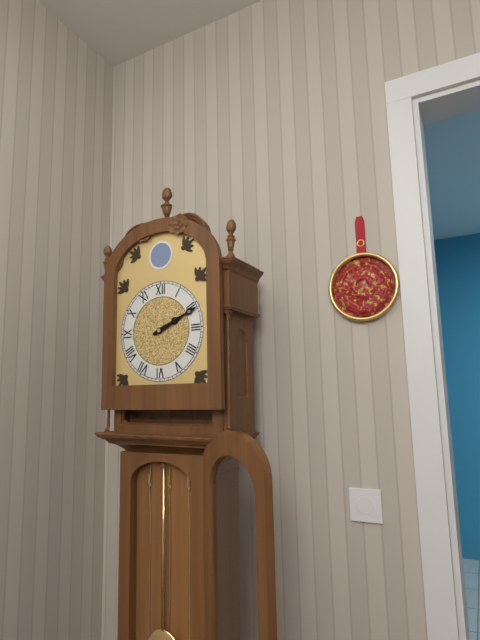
2:11
